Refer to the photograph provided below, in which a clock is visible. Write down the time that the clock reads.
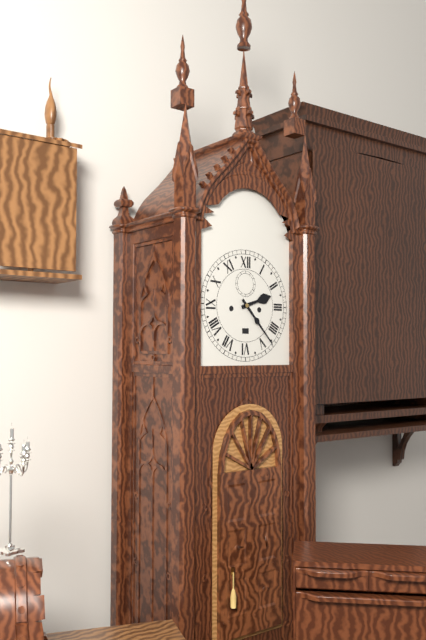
2:23
